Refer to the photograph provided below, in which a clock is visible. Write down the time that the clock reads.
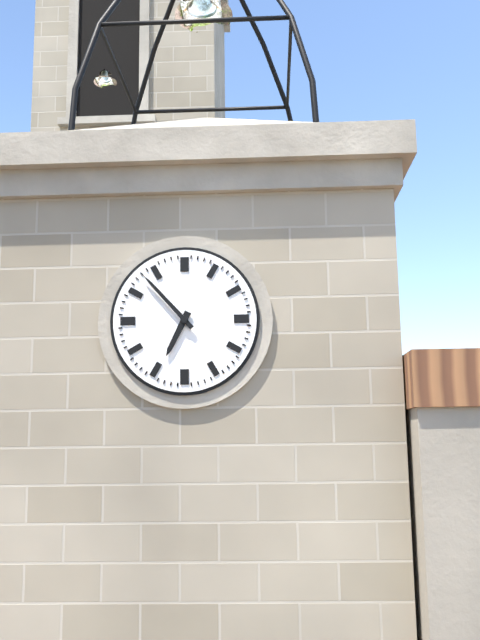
6:53
